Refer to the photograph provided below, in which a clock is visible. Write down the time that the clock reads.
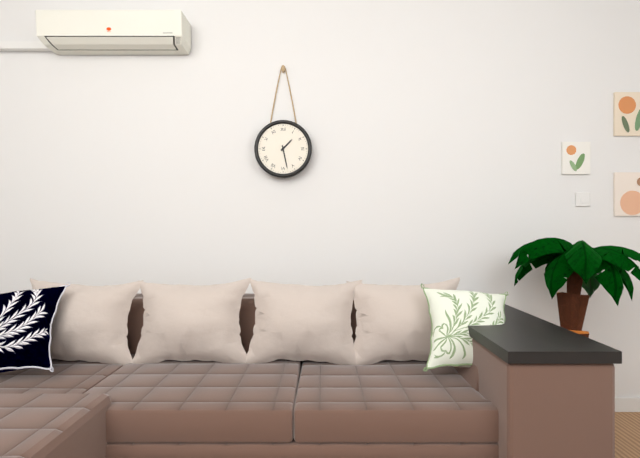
1:28
